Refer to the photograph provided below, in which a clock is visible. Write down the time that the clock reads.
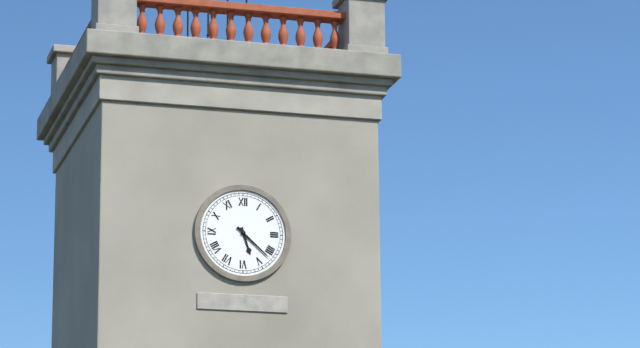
5:22
